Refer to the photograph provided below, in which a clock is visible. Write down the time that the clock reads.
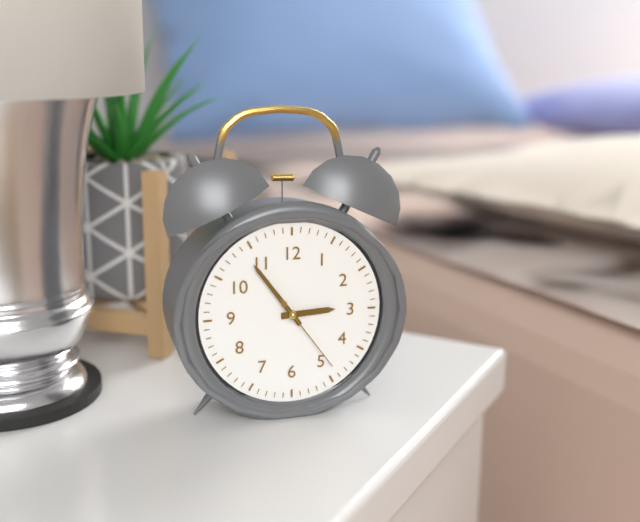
2:54:24
